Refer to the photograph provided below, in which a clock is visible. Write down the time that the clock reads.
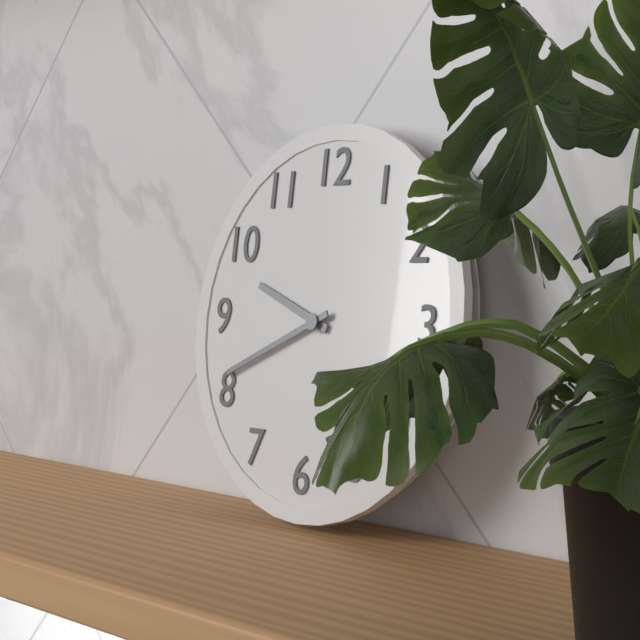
9:41
